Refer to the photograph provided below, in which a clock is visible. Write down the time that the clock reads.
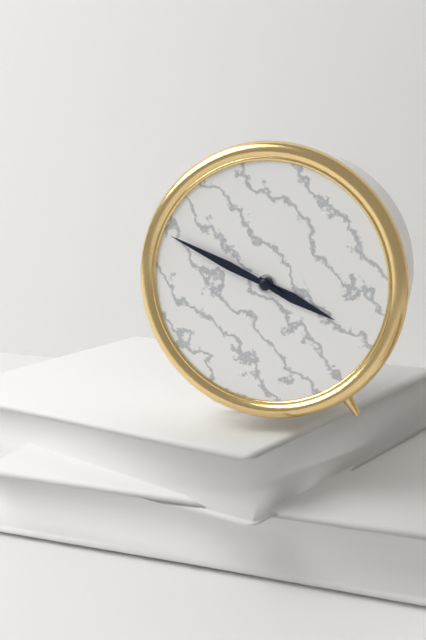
3:49
